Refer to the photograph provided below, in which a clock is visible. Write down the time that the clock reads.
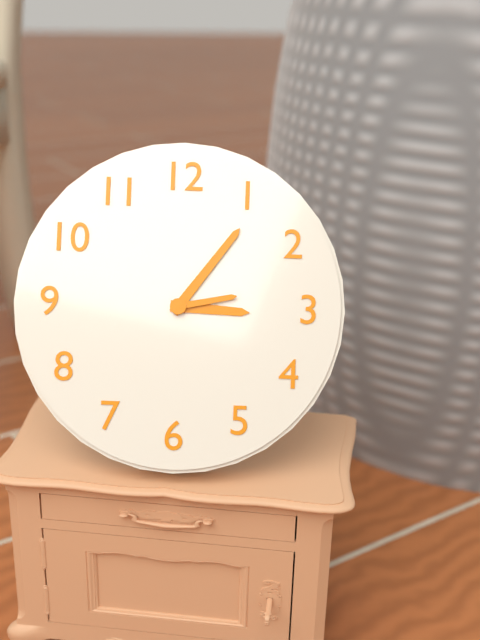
3:06:13
